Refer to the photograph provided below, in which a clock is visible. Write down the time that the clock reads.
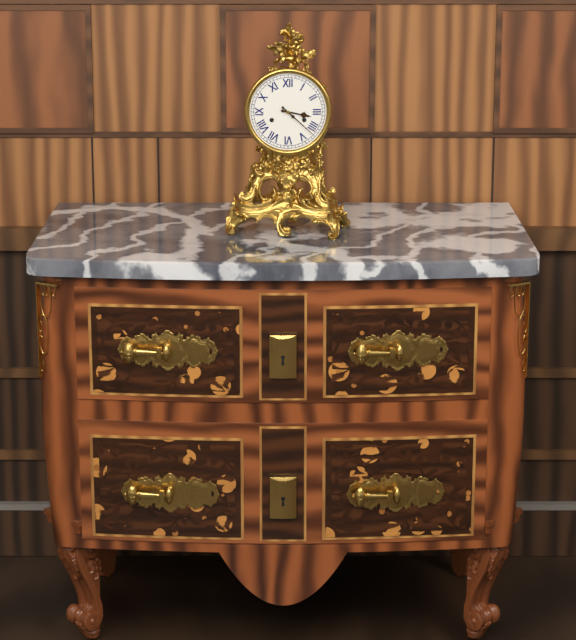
3:22
